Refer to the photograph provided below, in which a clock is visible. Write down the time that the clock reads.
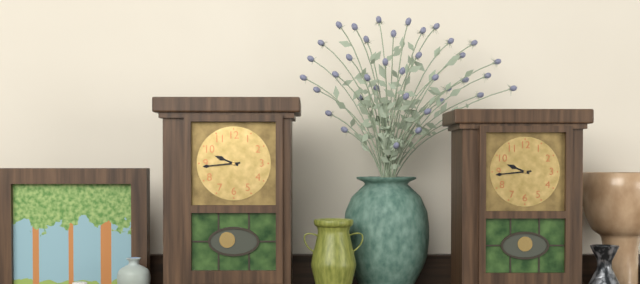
9:44
